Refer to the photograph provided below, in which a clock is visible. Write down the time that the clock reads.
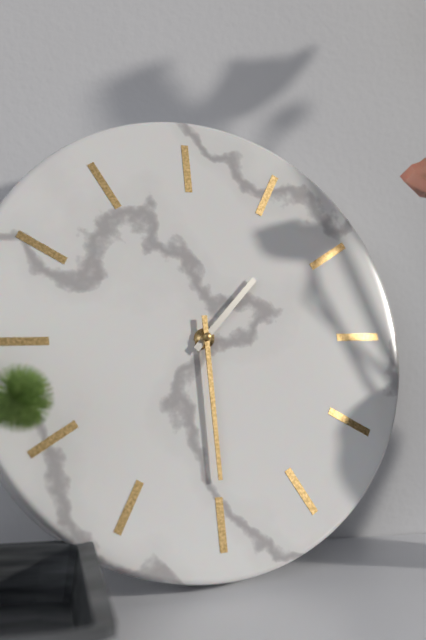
1:30
